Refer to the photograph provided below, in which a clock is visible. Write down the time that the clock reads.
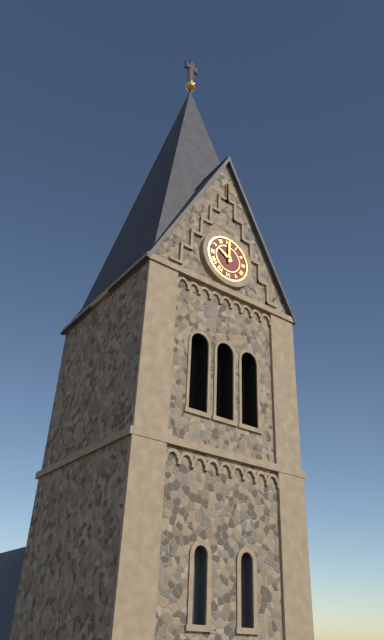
10:00
